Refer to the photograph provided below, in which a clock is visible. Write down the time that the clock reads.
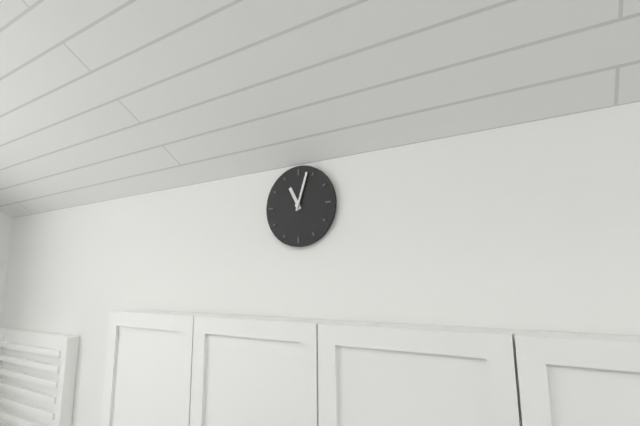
11:03
